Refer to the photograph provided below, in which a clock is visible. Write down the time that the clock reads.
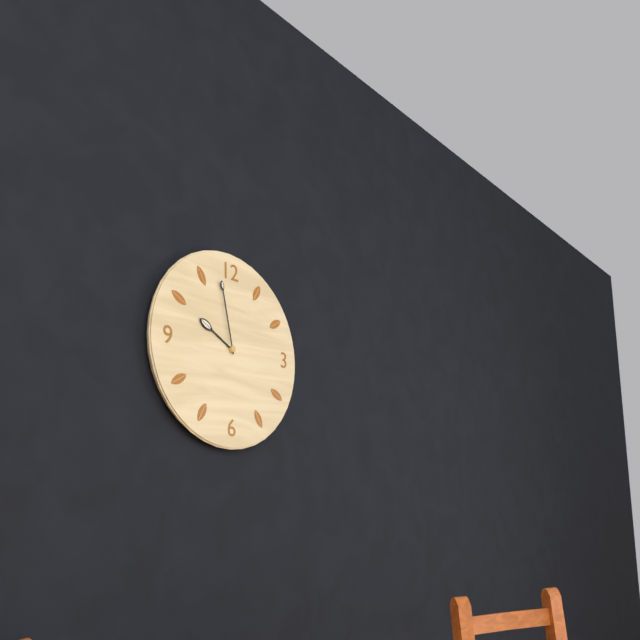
9:58
